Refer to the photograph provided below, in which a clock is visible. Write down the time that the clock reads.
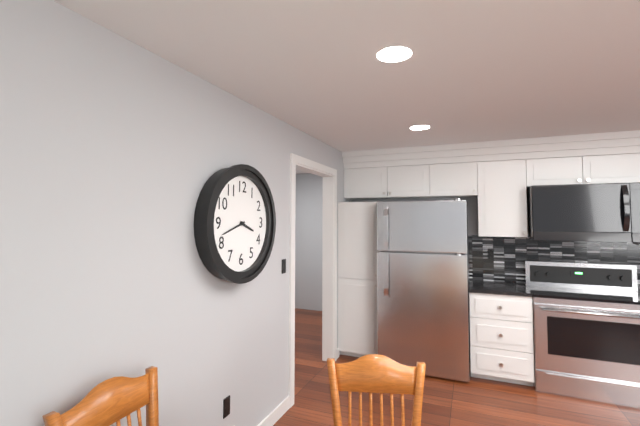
3:42
